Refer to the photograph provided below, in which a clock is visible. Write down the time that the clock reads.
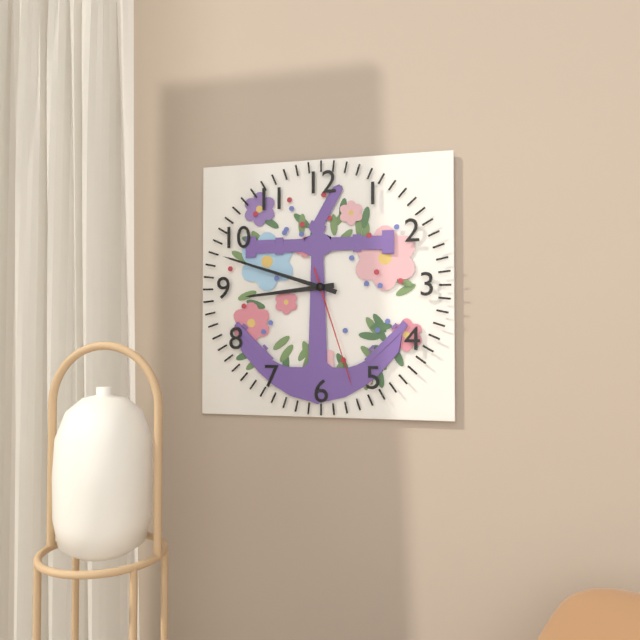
8:48:27
